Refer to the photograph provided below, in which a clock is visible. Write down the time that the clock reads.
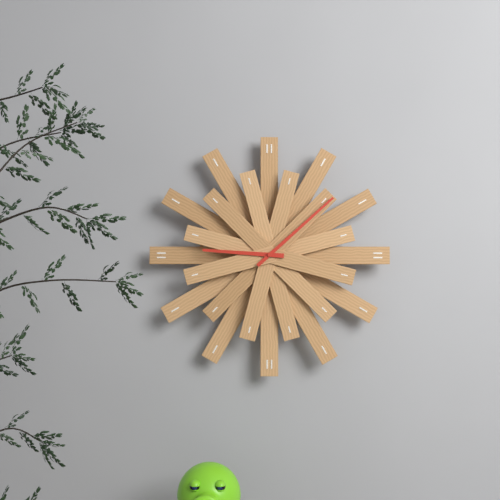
9:08
